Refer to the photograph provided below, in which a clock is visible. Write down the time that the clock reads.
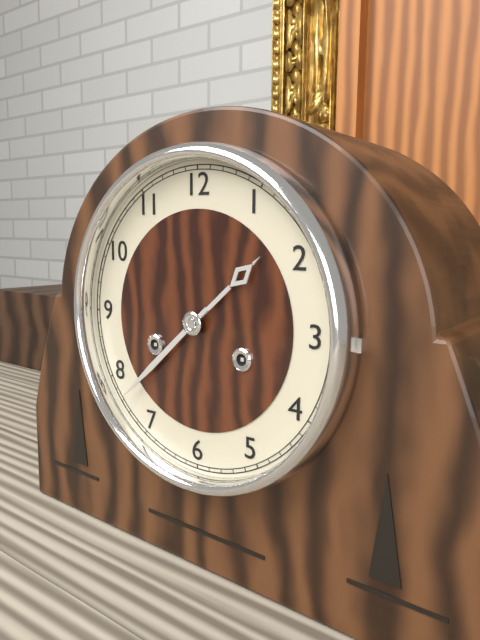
1:38
